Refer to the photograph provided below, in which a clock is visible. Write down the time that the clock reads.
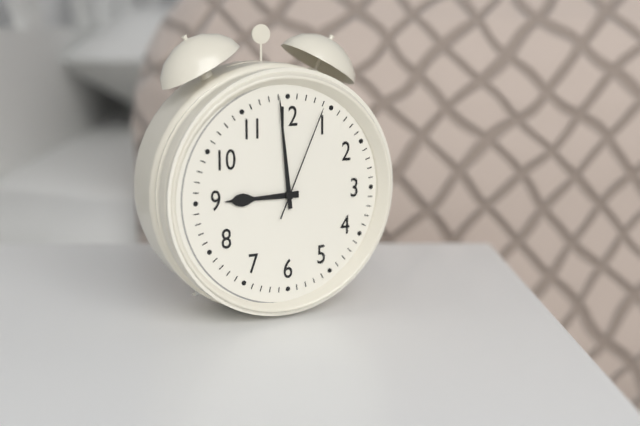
8:59:04
